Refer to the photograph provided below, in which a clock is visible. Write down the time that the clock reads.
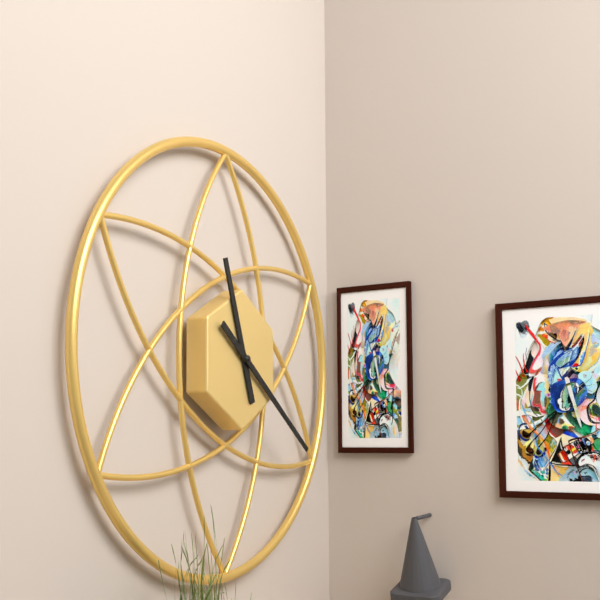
11:21
